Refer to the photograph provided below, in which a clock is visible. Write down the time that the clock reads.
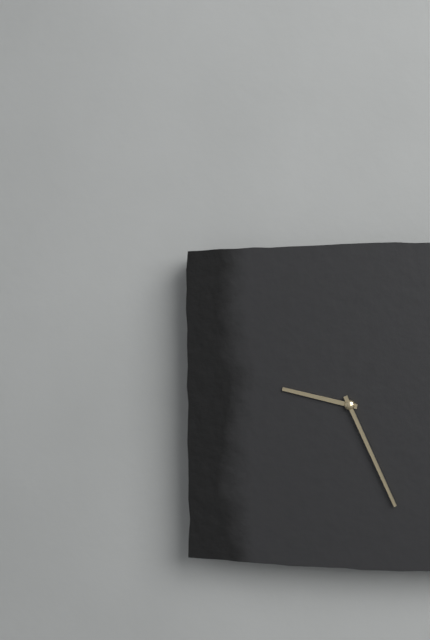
9:26
